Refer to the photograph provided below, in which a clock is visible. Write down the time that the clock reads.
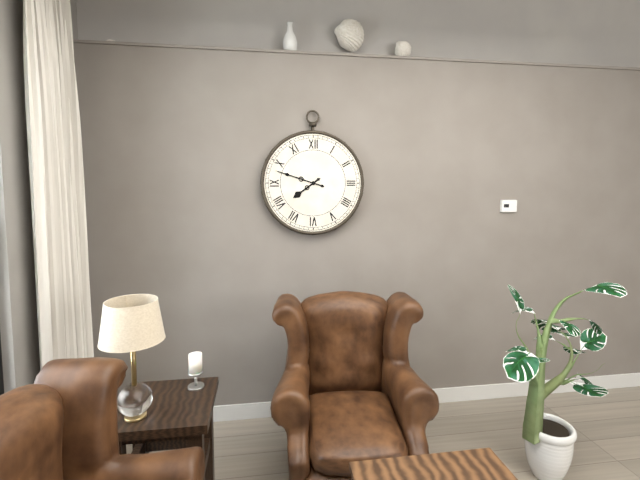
7:48
